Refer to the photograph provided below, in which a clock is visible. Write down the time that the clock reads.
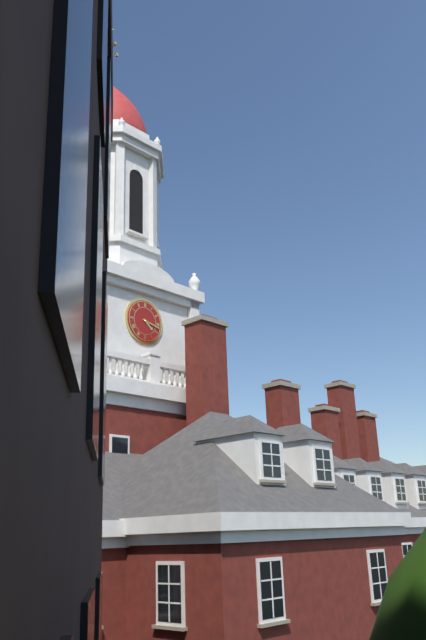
4:17
